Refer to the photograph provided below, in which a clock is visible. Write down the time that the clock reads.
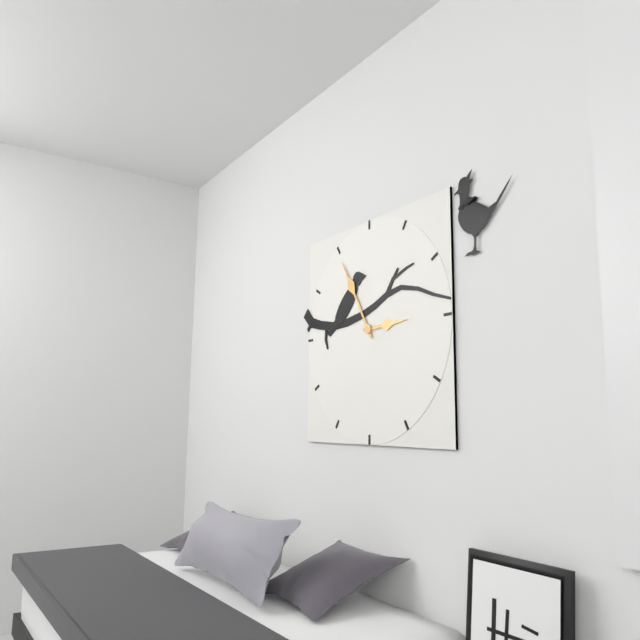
2:55
